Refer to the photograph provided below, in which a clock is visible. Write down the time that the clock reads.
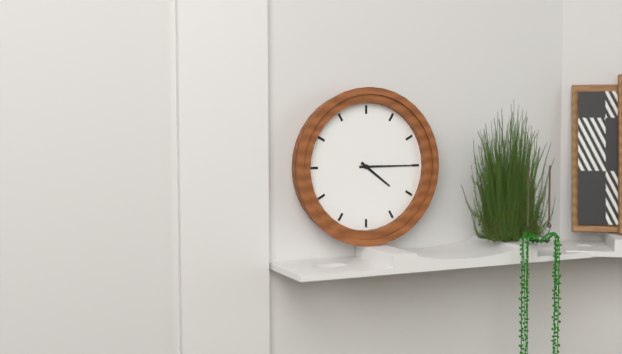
4:15
